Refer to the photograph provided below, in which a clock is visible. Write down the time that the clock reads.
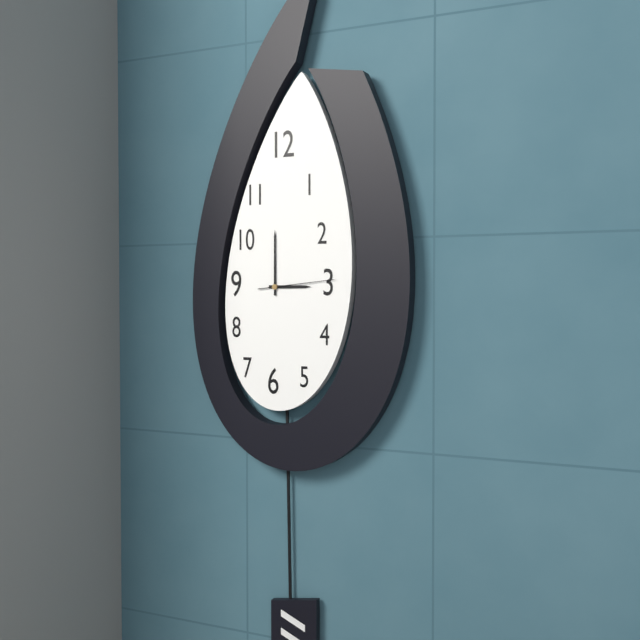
3:00:14
